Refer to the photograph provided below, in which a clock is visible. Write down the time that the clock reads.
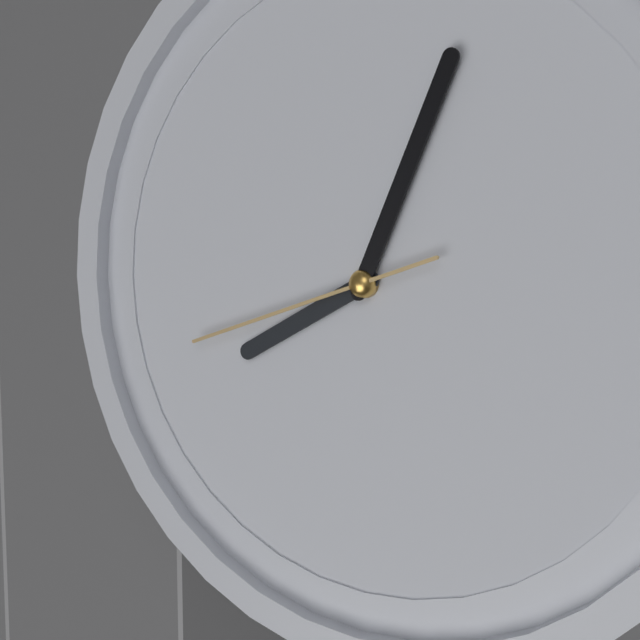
8:04:42
